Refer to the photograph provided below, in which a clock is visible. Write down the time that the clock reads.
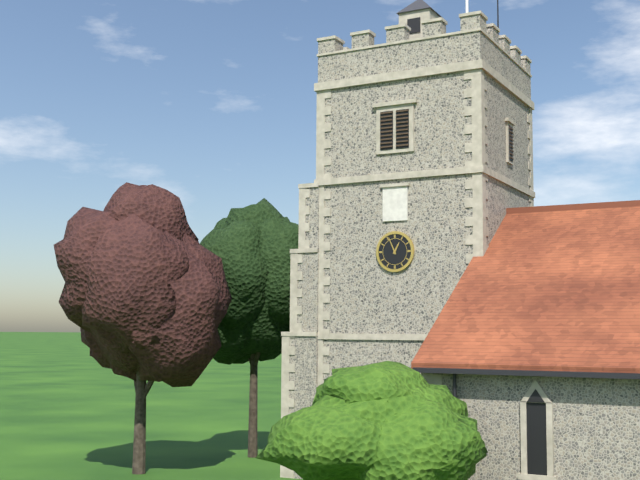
12:56
